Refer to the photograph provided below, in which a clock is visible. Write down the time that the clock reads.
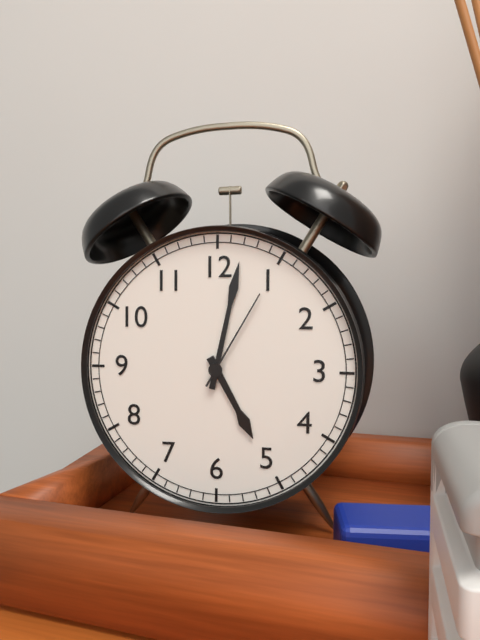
5:02:05
